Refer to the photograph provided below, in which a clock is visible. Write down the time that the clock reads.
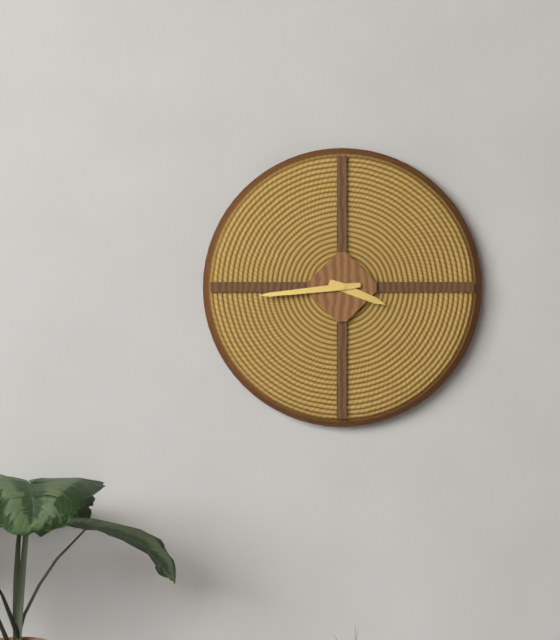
3:44
